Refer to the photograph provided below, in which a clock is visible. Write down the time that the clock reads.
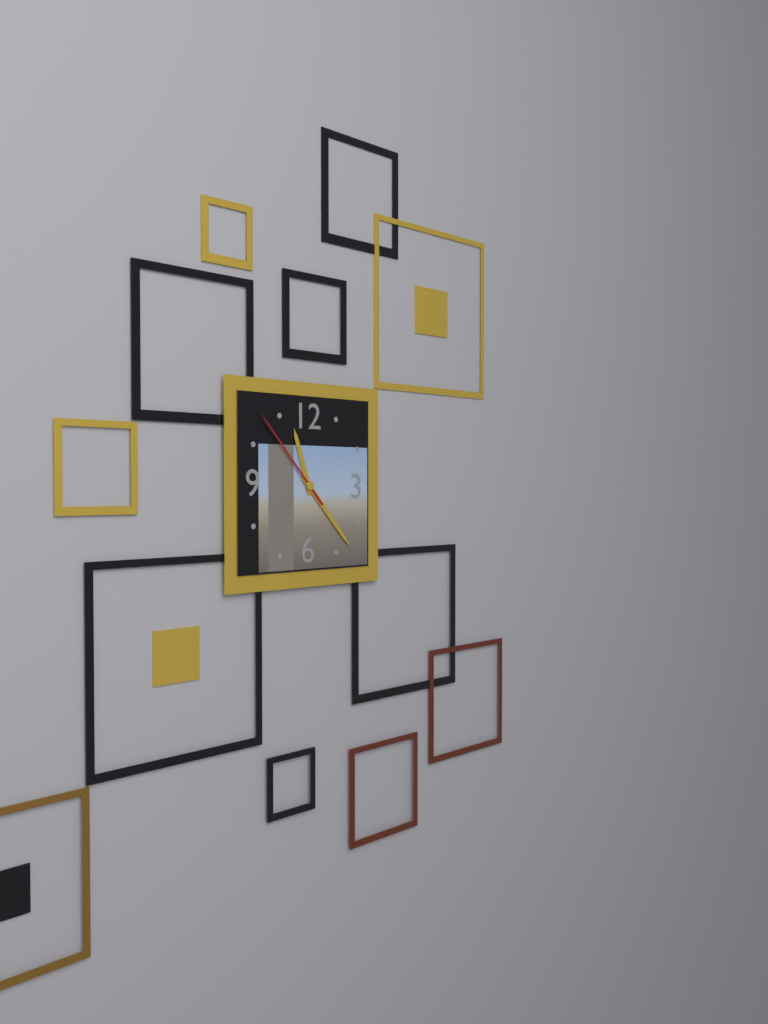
11:23:53
